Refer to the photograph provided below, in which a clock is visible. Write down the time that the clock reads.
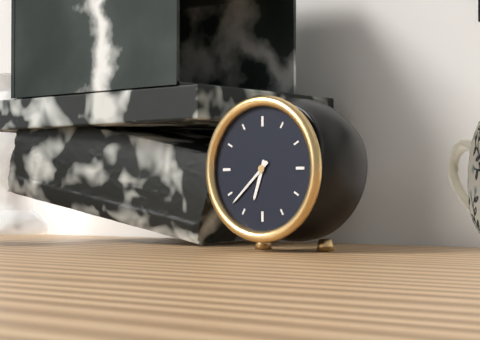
6:38
